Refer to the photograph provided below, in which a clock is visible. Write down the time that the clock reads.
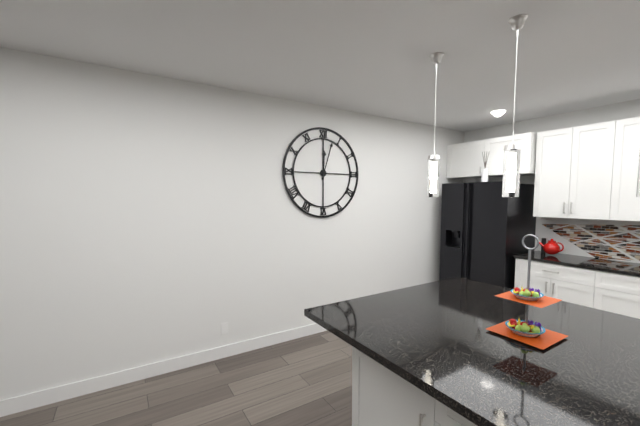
12:03
